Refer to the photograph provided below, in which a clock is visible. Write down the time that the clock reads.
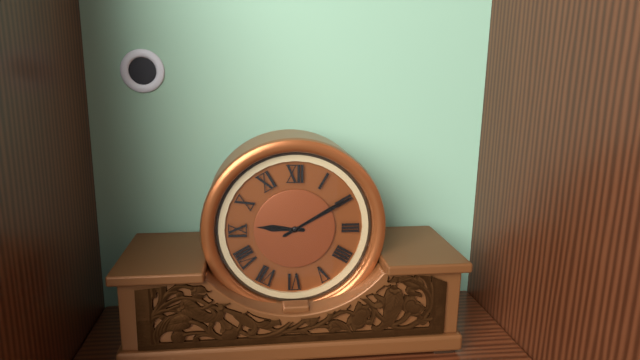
9:10
